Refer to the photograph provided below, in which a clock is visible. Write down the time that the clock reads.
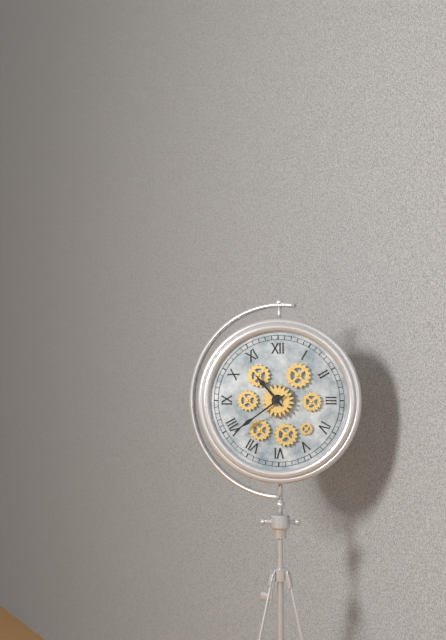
10:39
